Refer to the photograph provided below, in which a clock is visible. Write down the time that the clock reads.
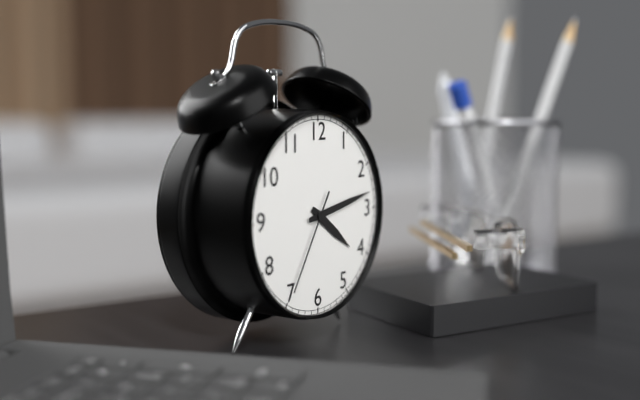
4:13:35
